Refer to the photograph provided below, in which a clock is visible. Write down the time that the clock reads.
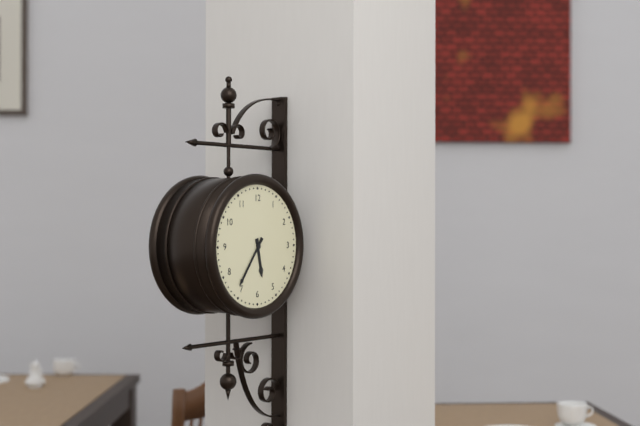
5:36
